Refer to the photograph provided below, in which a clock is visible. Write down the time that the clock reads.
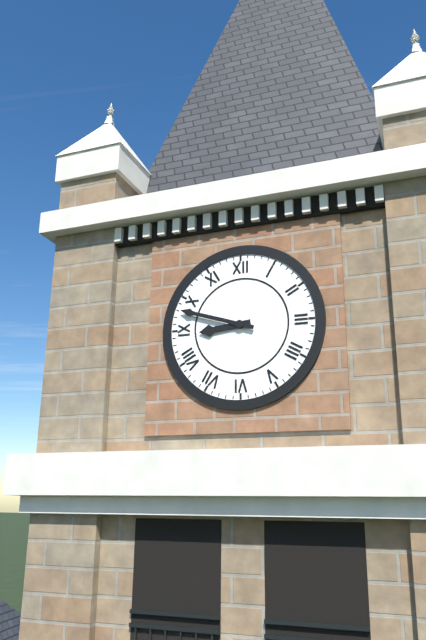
8:48
